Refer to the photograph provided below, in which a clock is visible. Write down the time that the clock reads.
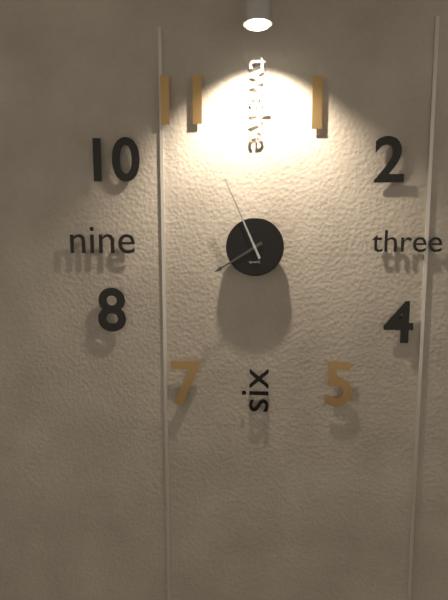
7:56
